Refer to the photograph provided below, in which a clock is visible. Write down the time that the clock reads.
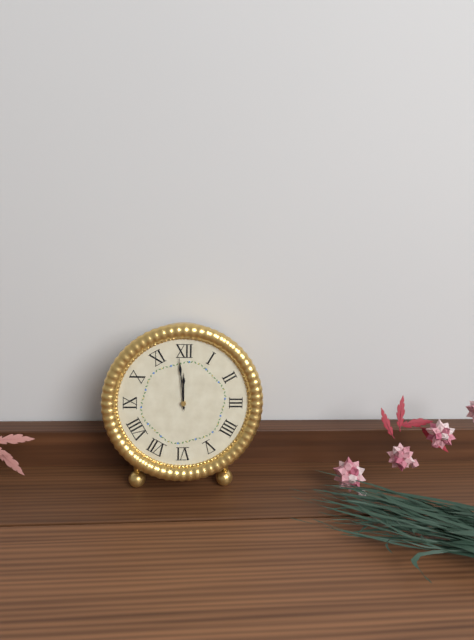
11:59
